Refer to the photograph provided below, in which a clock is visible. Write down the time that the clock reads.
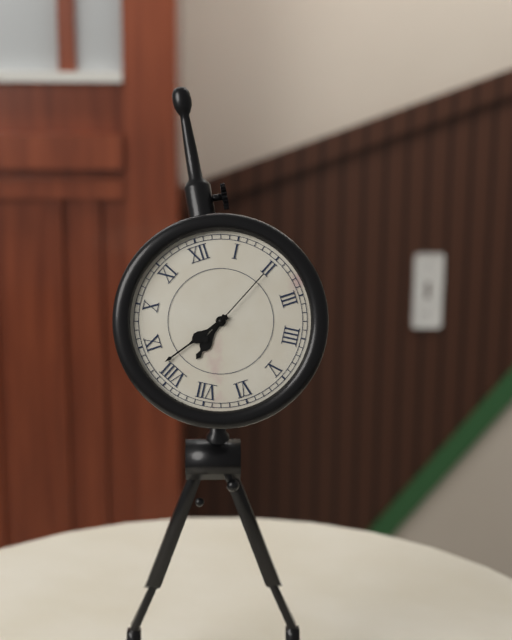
7:42:10
